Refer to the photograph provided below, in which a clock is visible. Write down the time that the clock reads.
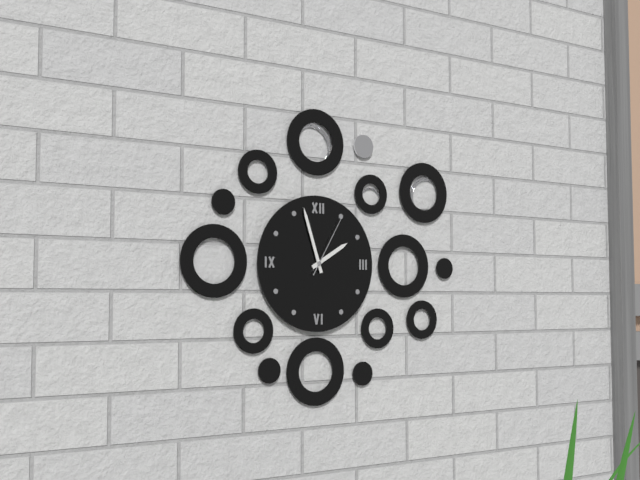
1:57:05
